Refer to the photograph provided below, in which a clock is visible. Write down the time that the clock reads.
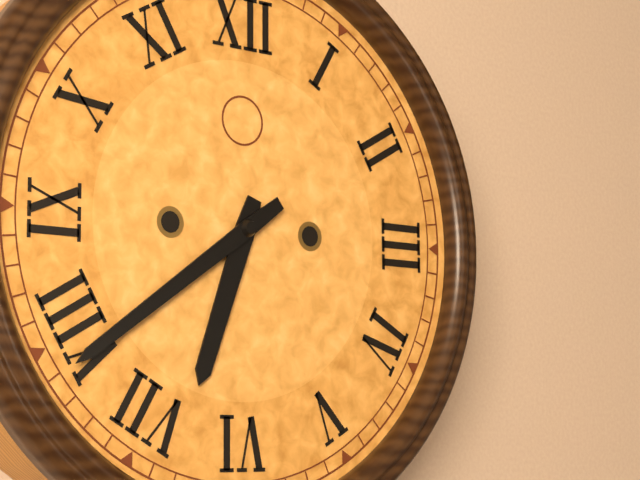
6:39
